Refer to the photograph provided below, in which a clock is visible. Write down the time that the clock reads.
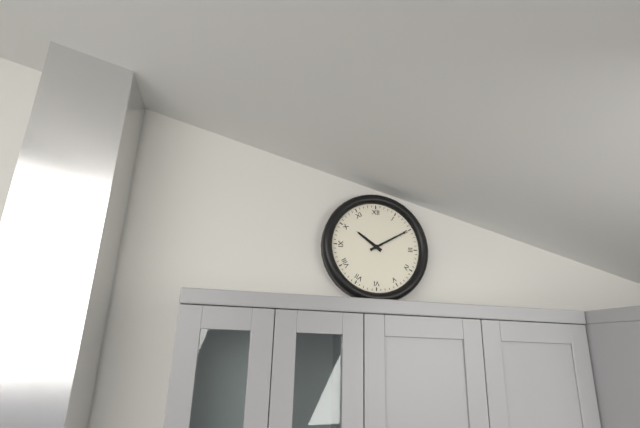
10:10
